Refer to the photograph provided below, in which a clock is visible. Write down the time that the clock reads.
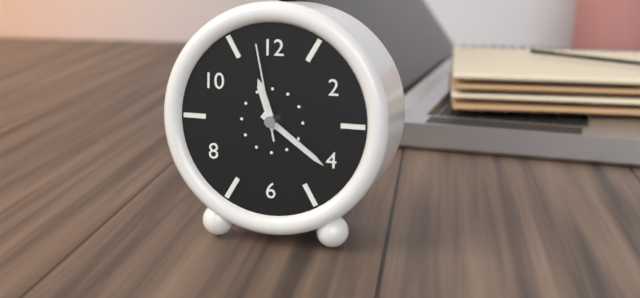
11:21:58
